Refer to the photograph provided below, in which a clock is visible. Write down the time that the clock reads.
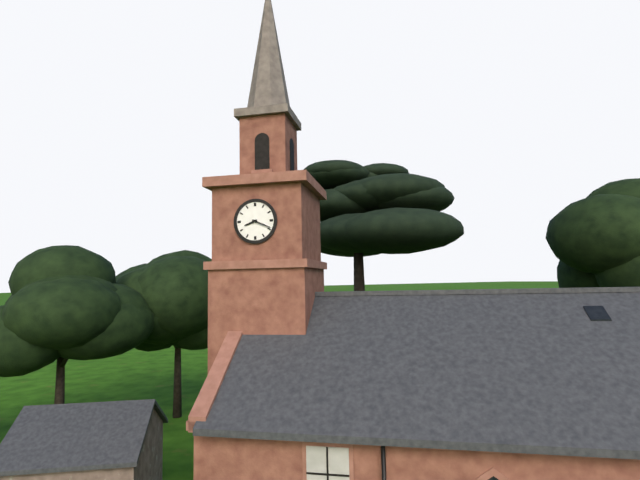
8:19
